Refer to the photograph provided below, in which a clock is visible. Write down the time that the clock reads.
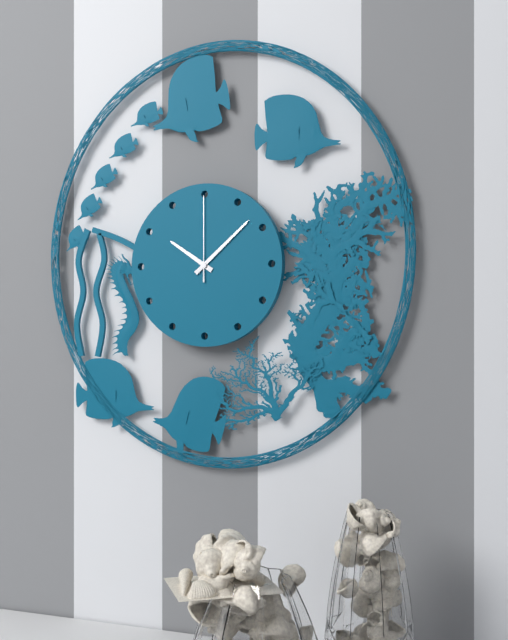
10:08:00
